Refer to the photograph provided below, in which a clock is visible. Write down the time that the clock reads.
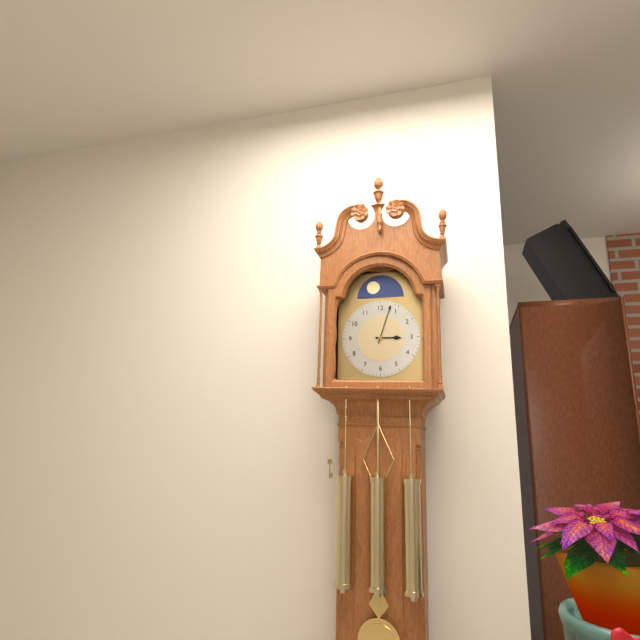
3:03
